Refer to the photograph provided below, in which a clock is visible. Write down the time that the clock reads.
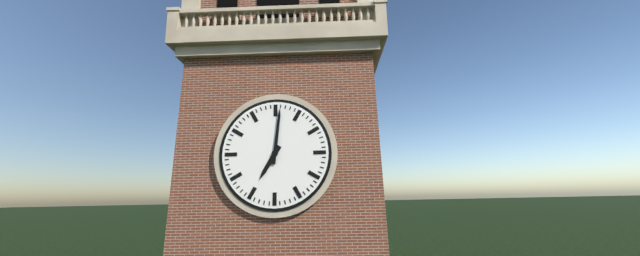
7:01
